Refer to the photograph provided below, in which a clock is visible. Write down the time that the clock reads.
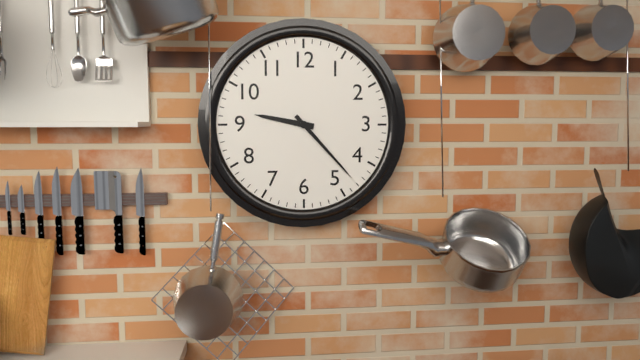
9:23
